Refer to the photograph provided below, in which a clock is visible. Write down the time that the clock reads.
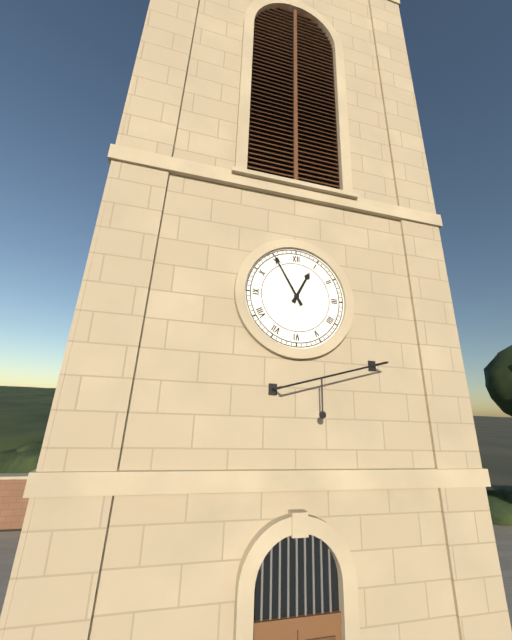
12:55
